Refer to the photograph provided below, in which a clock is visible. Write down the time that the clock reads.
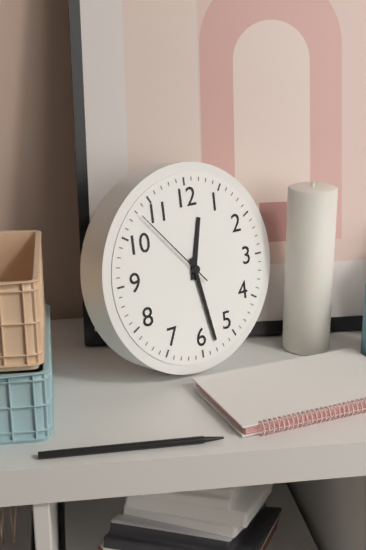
12:28:53
